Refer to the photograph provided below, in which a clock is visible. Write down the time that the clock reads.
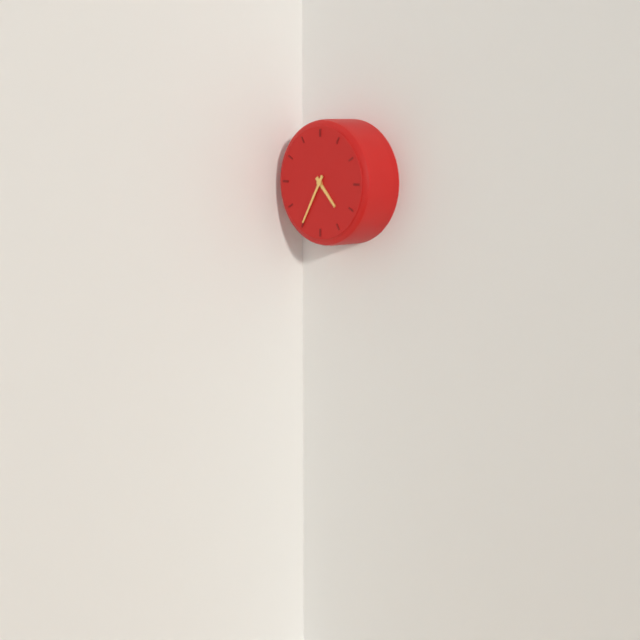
4:35
